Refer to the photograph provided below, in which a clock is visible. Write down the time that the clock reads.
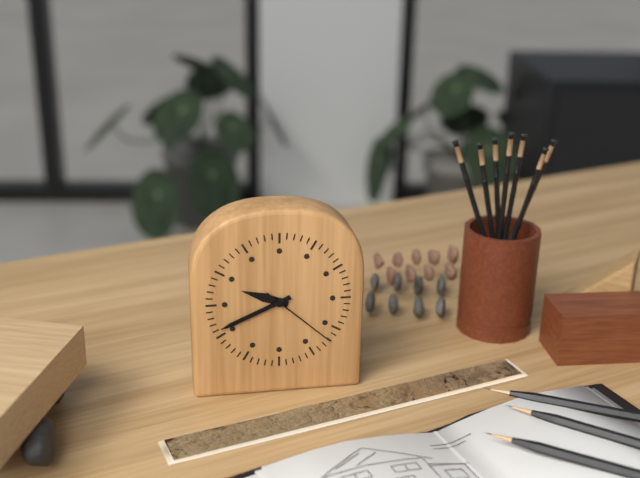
9:41:22
